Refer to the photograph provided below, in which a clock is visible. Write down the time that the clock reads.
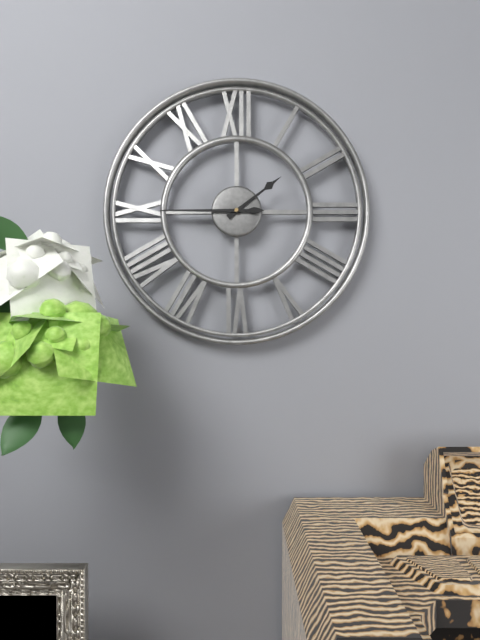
1:45
